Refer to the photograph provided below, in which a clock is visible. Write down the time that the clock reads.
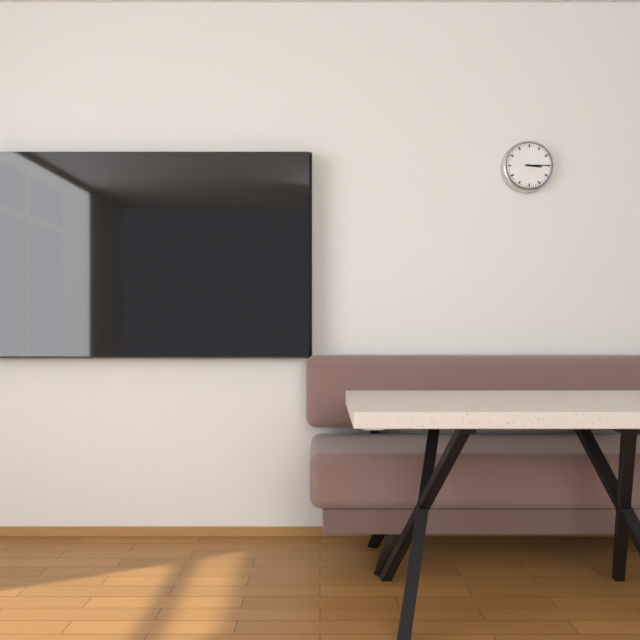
3:15
